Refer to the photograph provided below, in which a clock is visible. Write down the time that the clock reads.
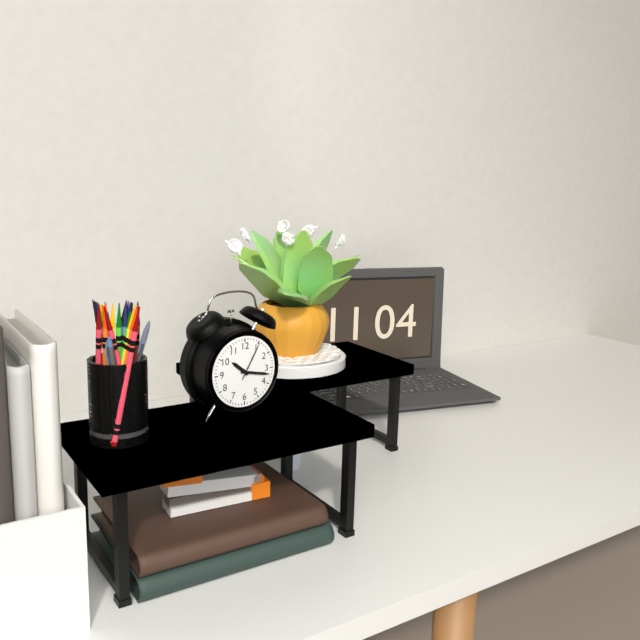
10:17
